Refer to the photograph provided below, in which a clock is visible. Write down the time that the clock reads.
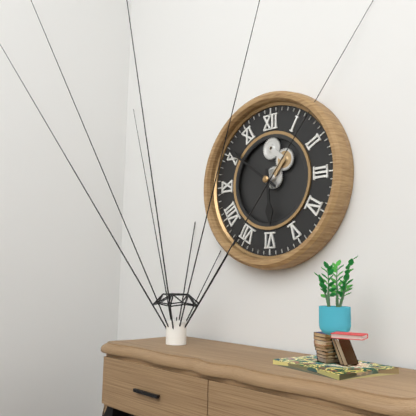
5:51
